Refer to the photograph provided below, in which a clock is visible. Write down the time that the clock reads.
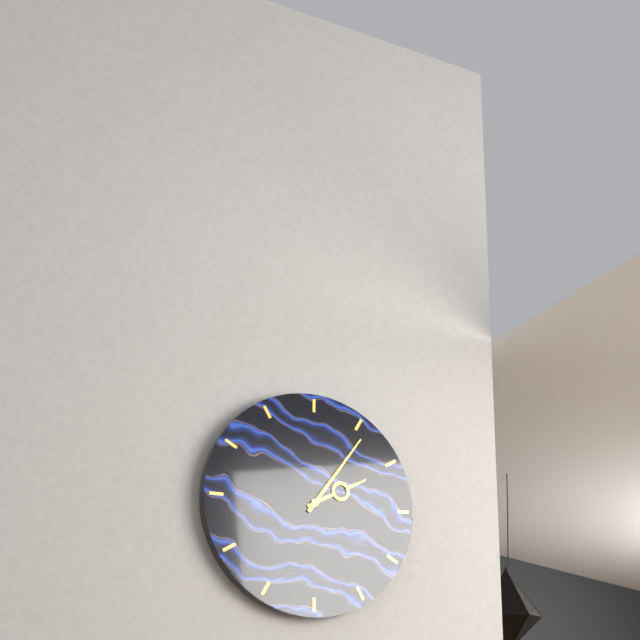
2:06
